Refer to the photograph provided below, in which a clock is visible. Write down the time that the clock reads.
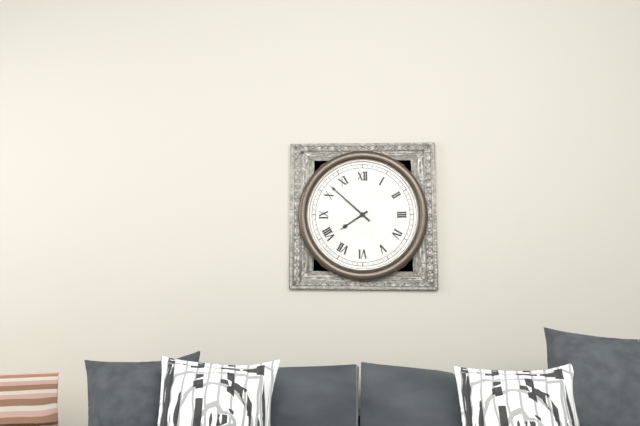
7:52
